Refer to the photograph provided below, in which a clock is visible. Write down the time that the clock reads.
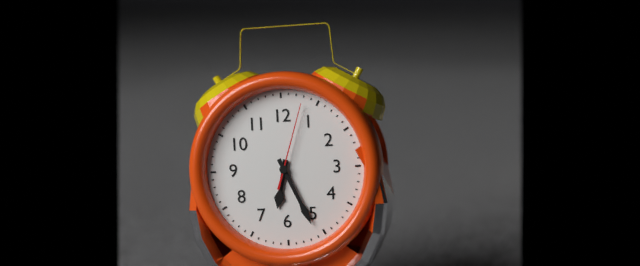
6:26:03
